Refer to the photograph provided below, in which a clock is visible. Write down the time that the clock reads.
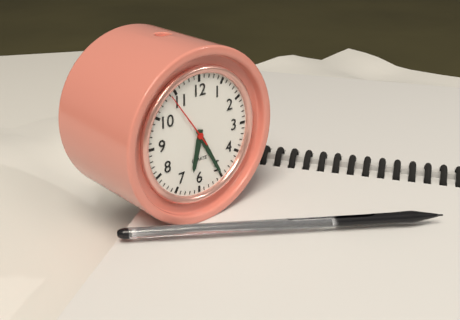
6:25:54
